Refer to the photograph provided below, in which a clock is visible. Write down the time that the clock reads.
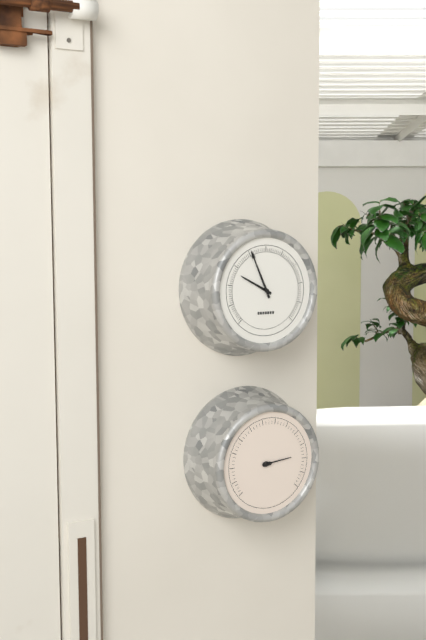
9:56
